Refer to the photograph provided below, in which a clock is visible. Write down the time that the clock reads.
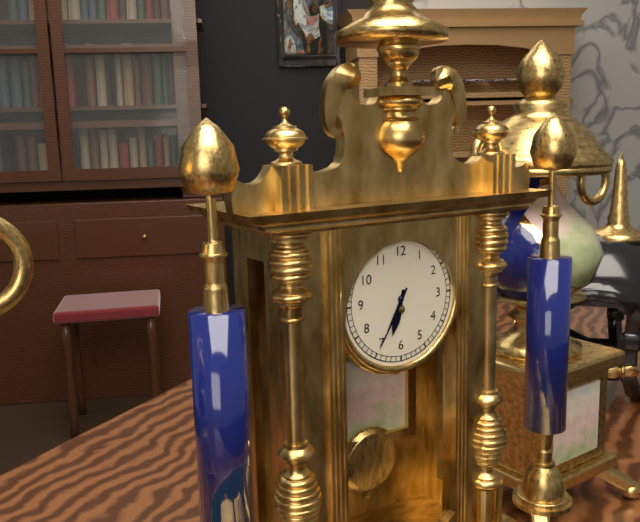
6:35
